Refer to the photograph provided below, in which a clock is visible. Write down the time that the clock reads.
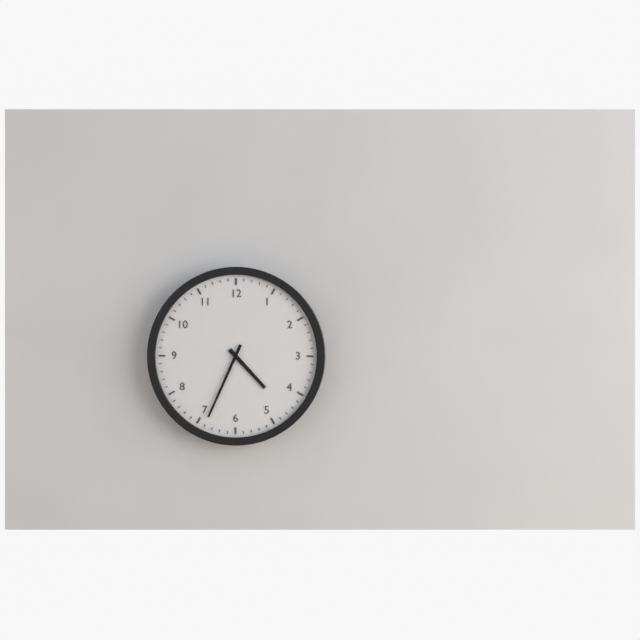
4:34
